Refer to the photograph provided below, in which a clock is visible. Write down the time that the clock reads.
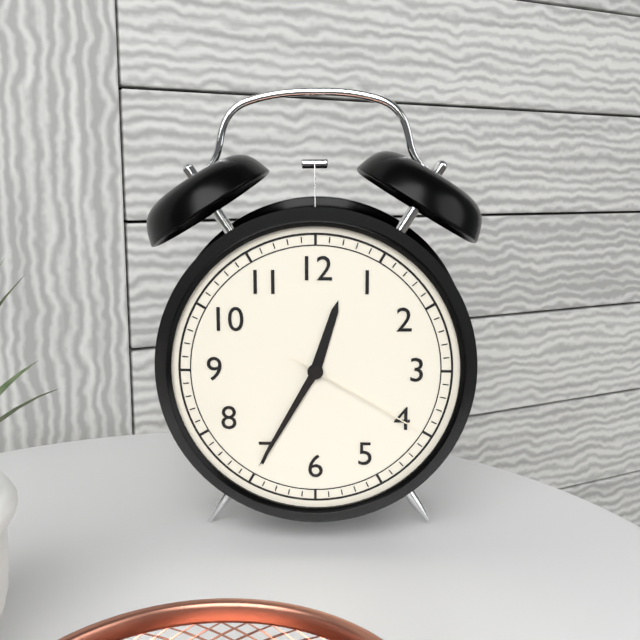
12:35:20
